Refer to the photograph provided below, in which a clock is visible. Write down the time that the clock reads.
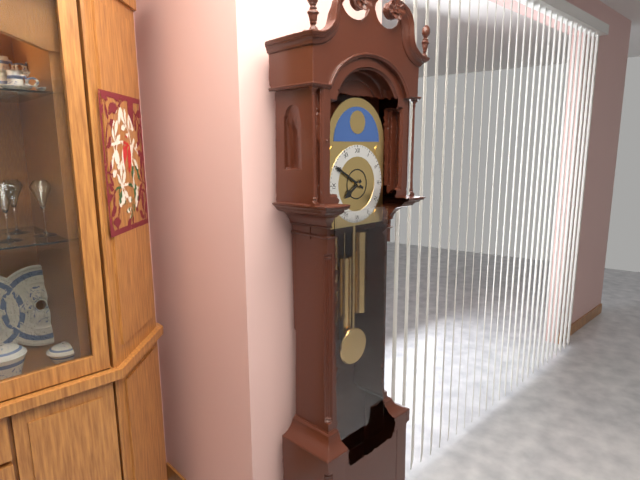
7:50
